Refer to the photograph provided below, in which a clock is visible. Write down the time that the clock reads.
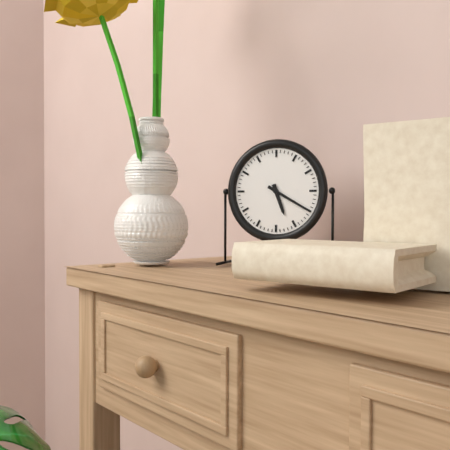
5:20
